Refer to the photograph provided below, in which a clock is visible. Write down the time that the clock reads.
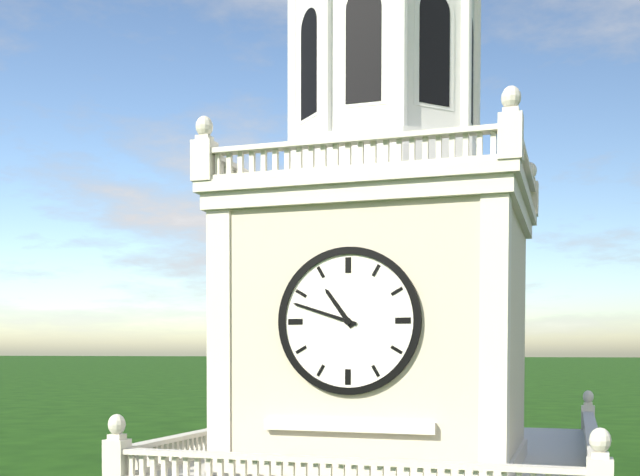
10:48
